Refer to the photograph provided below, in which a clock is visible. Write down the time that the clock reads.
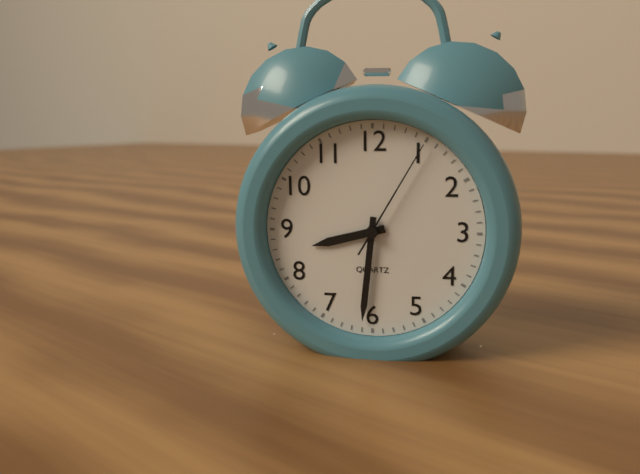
8:31:05
